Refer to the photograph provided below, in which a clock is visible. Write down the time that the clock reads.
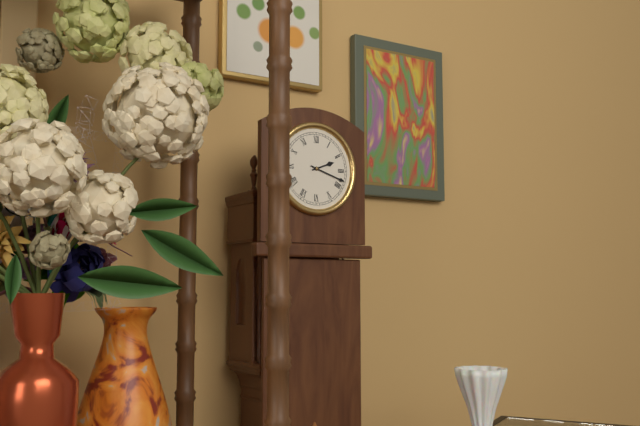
2:18
